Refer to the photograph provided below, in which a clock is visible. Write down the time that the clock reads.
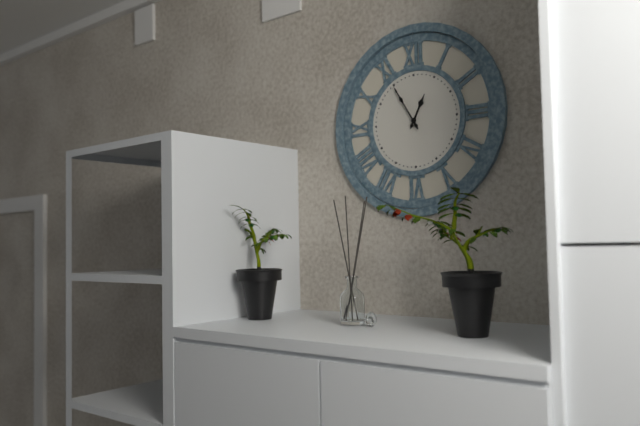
12:55
